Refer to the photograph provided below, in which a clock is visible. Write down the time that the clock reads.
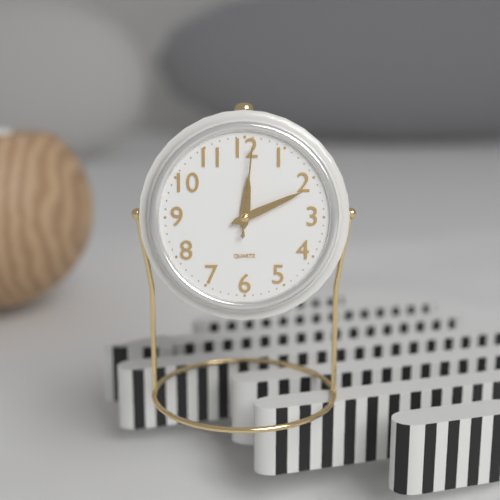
12:11:01
